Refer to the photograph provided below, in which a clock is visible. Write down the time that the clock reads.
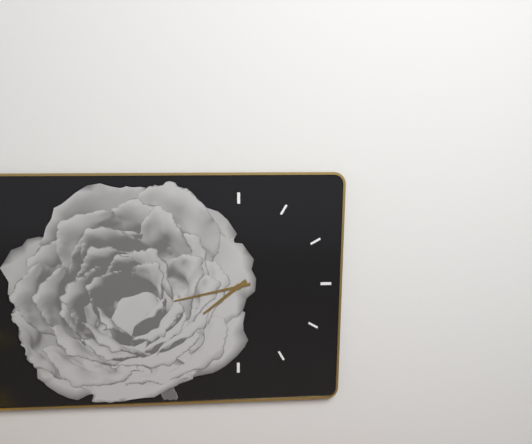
7:43
